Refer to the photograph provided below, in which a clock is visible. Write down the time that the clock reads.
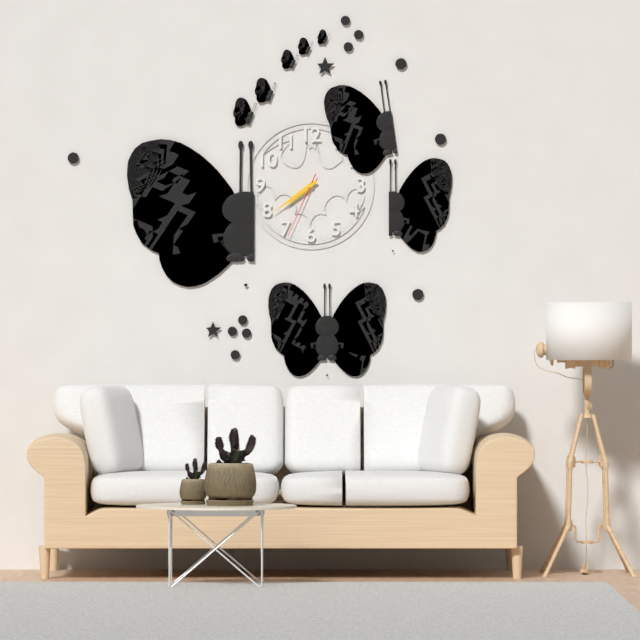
7:39:34
